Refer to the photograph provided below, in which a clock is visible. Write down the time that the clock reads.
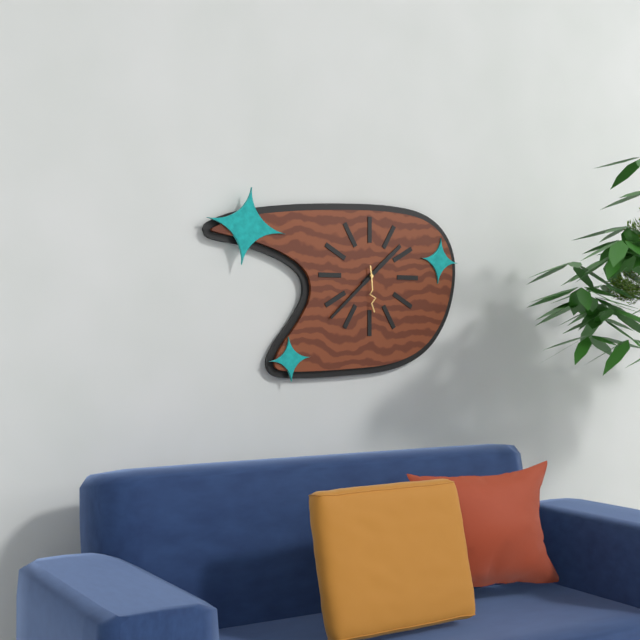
1:38
